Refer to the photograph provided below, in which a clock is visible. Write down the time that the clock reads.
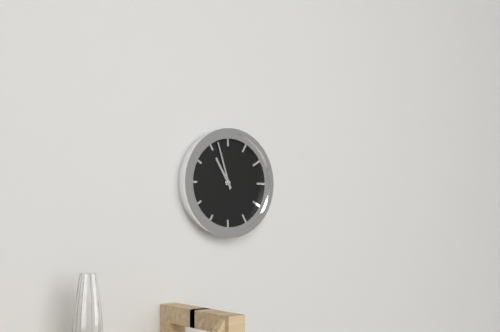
10:57
